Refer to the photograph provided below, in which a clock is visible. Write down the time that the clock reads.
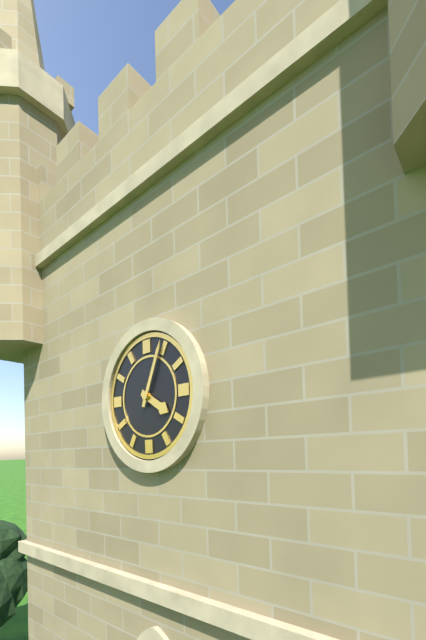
4:04
